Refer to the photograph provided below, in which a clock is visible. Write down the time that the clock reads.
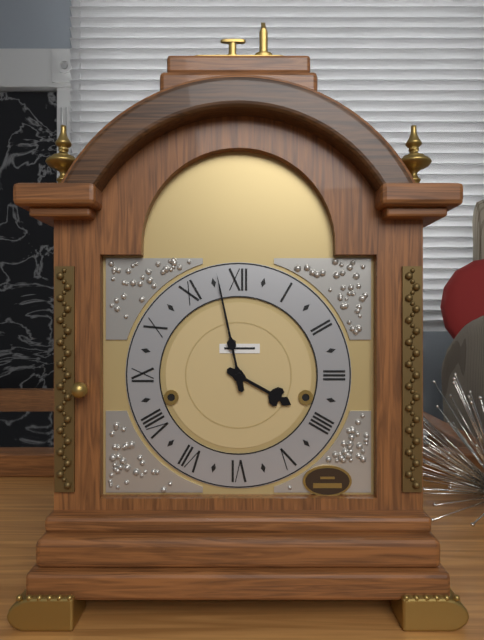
3:58
